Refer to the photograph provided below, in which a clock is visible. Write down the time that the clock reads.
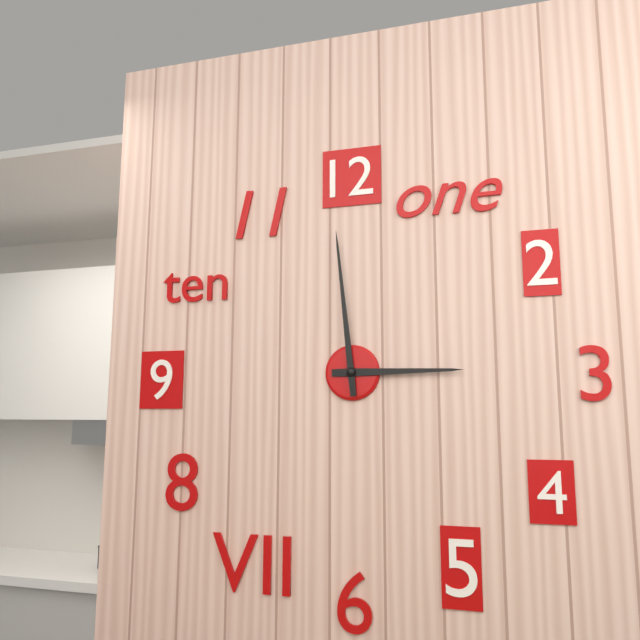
2:59
